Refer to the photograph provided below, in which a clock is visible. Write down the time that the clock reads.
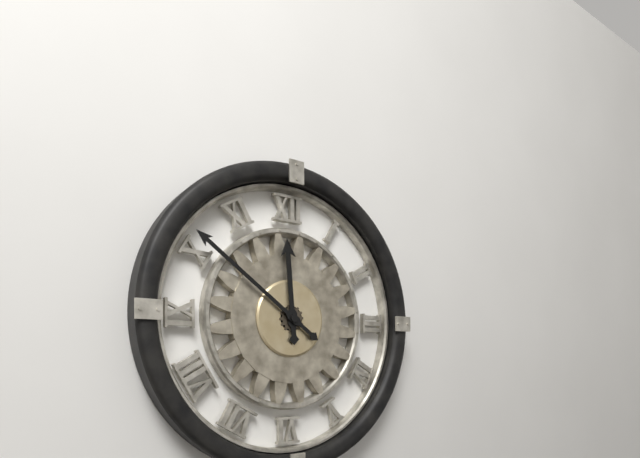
11:51
